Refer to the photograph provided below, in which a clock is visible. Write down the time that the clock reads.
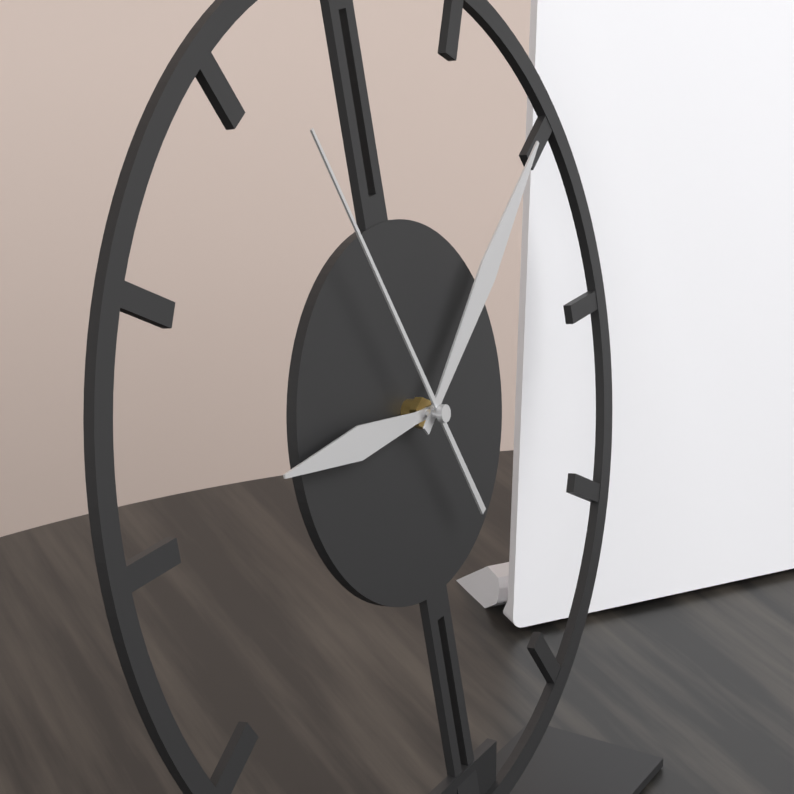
9:09:56
